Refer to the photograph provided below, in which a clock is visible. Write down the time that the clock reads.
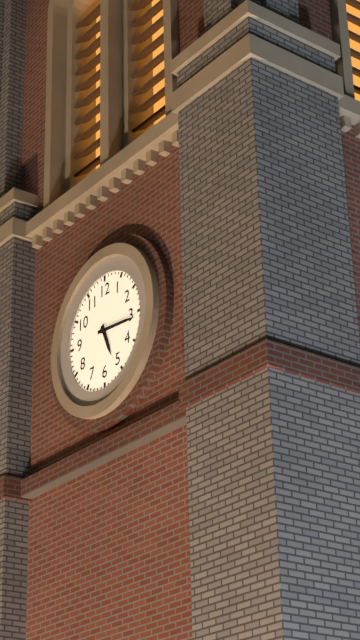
5:16
